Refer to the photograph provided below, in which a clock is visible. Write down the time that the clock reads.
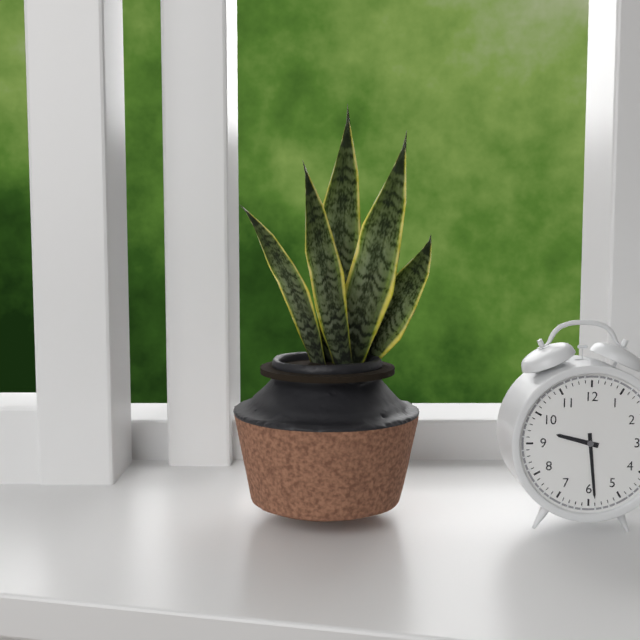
9:29
